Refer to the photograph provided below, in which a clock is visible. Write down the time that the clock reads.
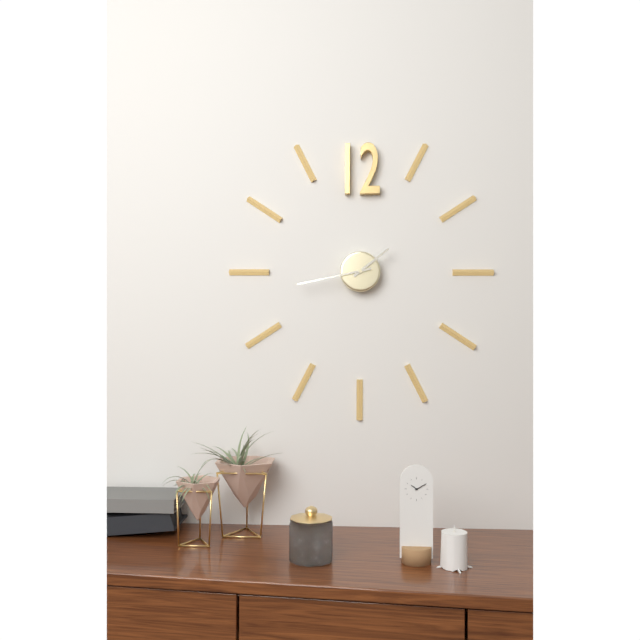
1:43
